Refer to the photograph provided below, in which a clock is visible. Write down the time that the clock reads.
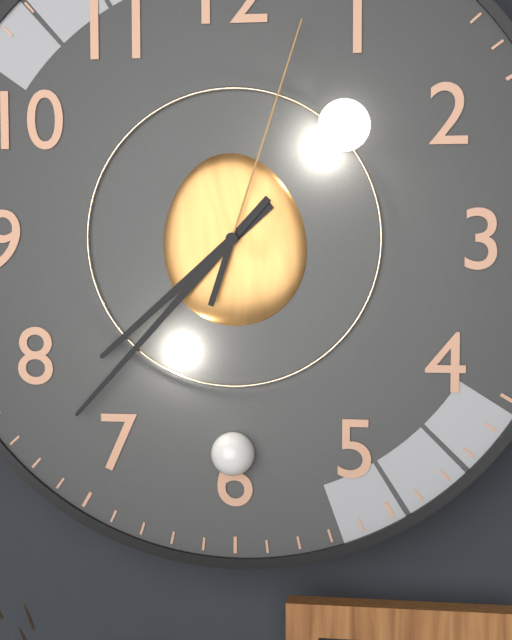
7:37:03
